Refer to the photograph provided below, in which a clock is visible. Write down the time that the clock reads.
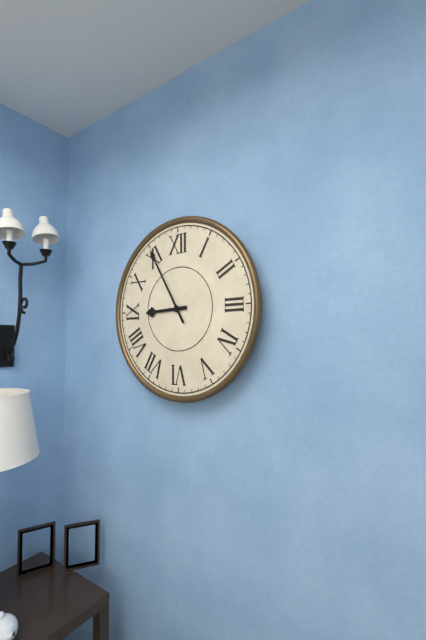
8:55
